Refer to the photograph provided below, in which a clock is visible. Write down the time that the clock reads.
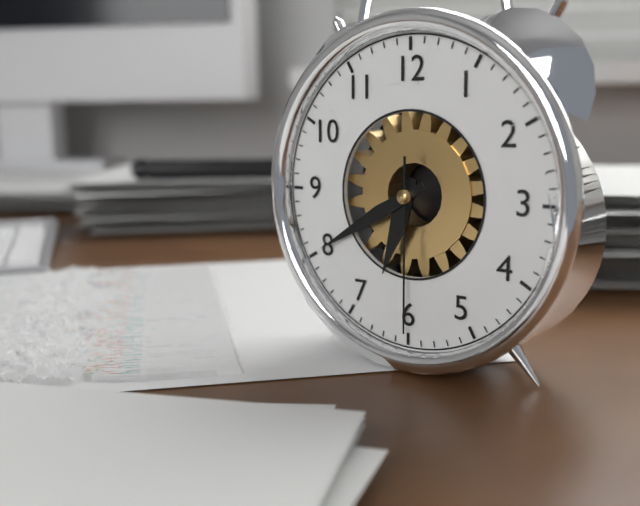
6:40:30
